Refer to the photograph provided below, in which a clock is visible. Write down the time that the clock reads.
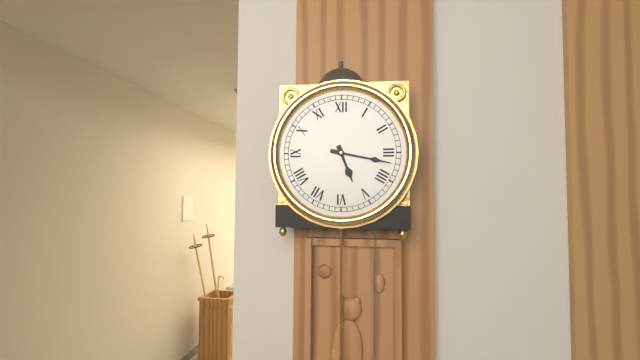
5:17
